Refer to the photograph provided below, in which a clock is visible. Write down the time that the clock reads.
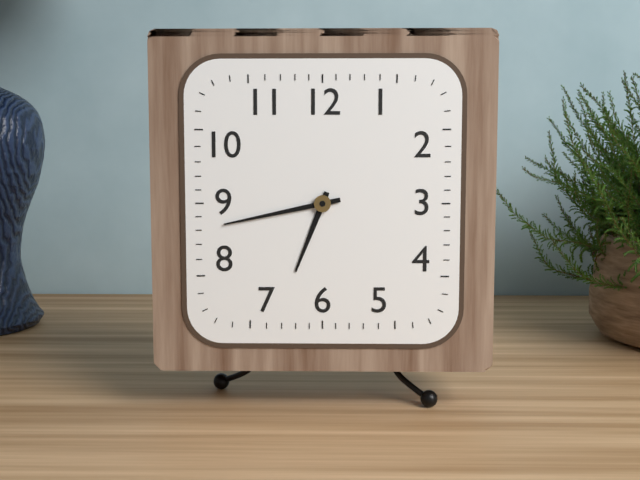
6:43
